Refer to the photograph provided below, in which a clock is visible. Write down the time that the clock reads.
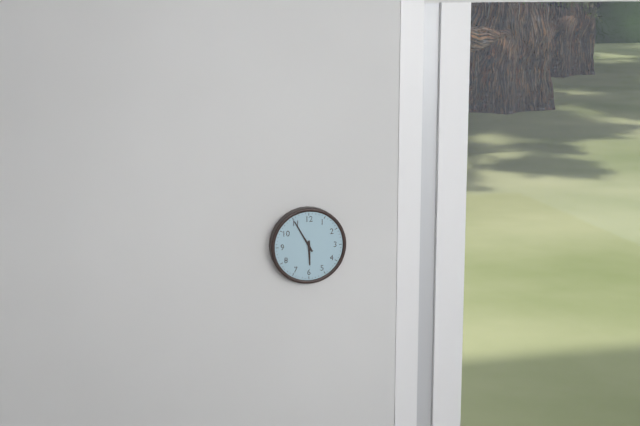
5:55
